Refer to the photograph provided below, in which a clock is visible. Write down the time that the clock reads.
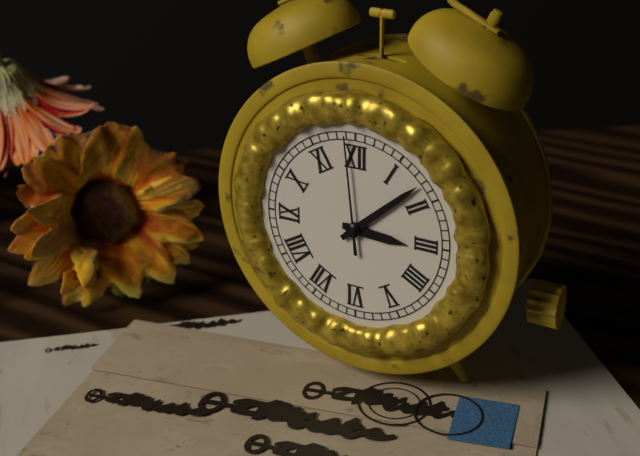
3:08:59
